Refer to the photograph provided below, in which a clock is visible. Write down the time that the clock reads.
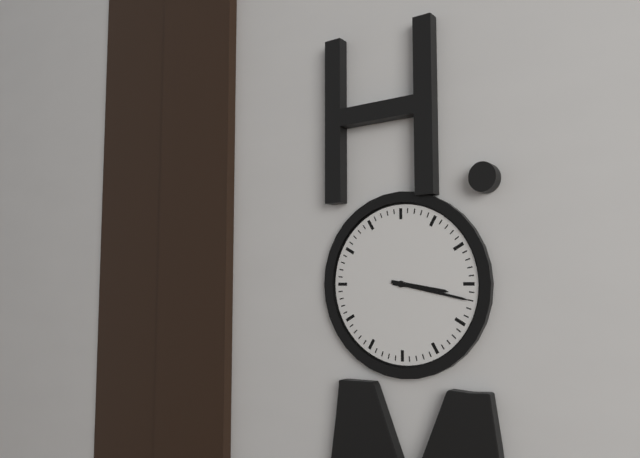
3:17
